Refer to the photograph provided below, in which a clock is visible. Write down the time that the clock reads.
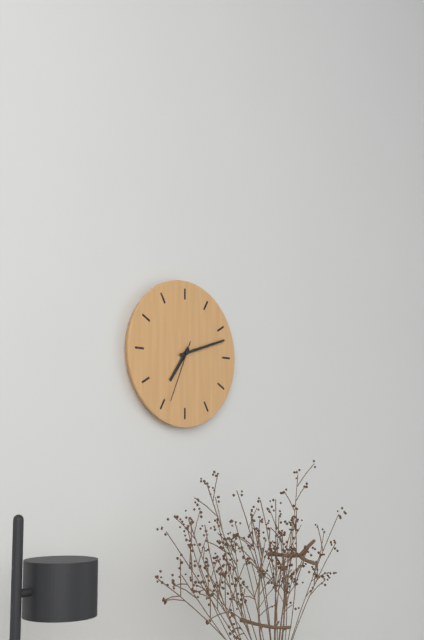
7:12:34
